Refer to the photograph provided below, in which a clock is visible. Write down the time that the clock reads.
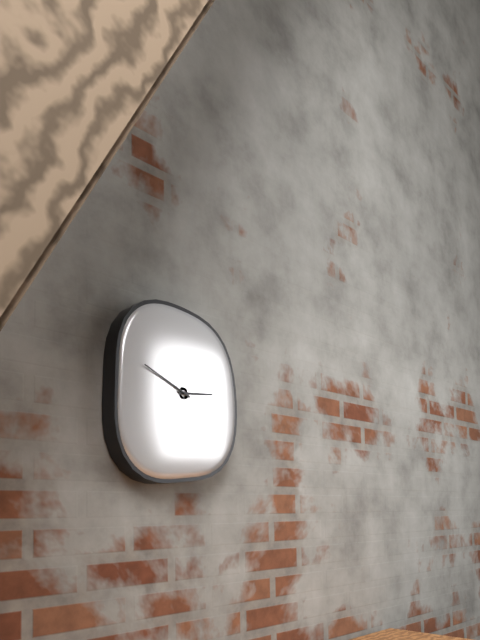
2:49
